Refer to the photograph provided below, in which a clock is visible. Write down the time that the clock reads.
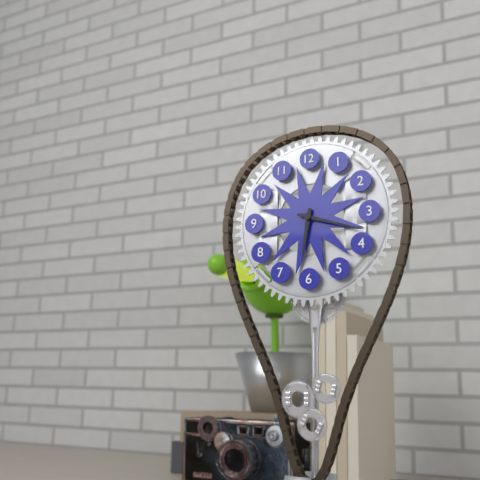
6:18
